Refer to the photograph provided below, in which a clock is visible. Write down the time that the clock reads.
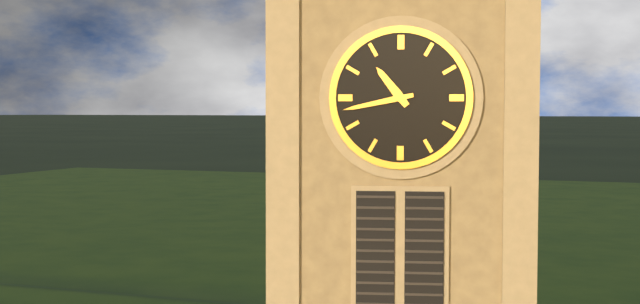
10:43
